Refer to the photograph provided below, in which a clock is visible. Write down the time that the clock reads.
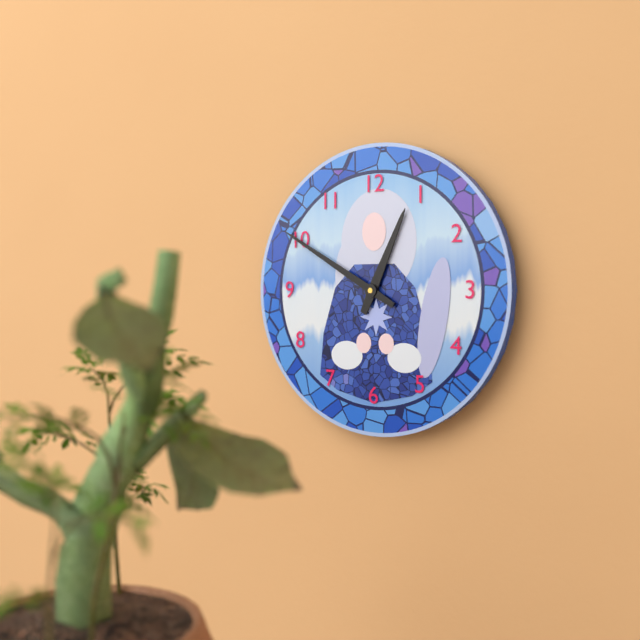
12:50
